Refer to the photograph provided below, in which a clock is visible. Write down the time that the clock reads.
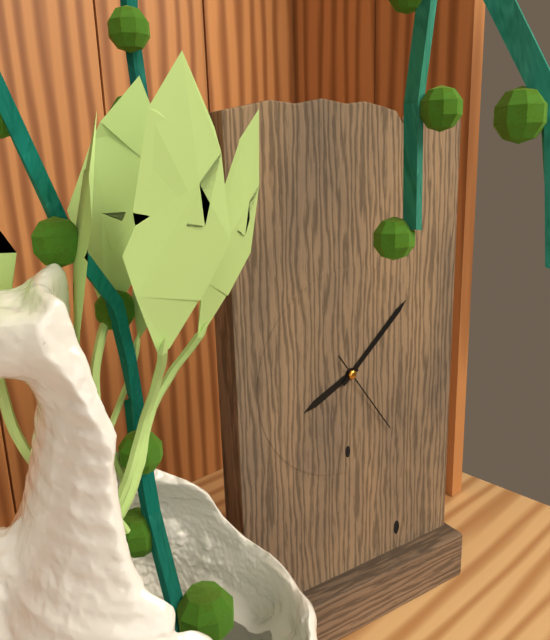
8:08:24
